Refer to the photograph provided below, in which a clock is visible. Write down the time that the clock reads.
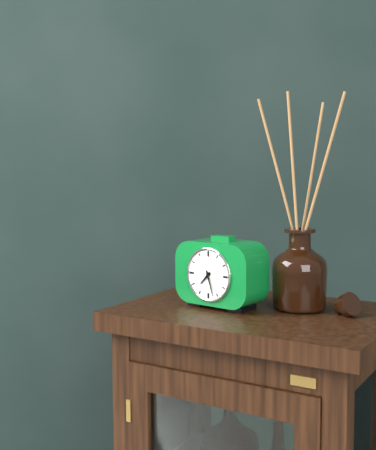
7:27
